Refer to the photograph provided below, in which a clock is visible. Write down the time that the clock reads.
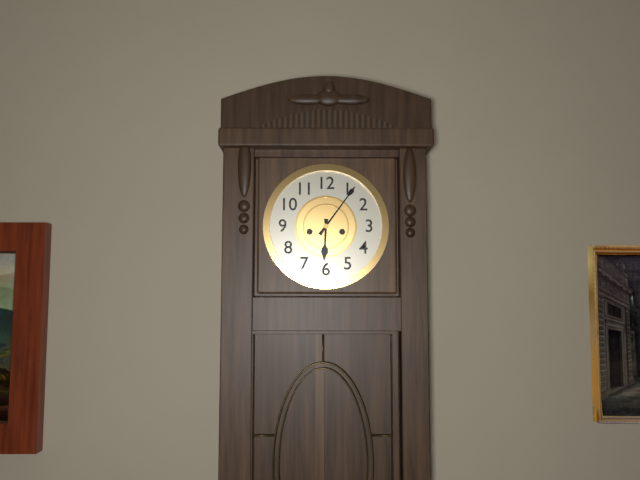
6:06
